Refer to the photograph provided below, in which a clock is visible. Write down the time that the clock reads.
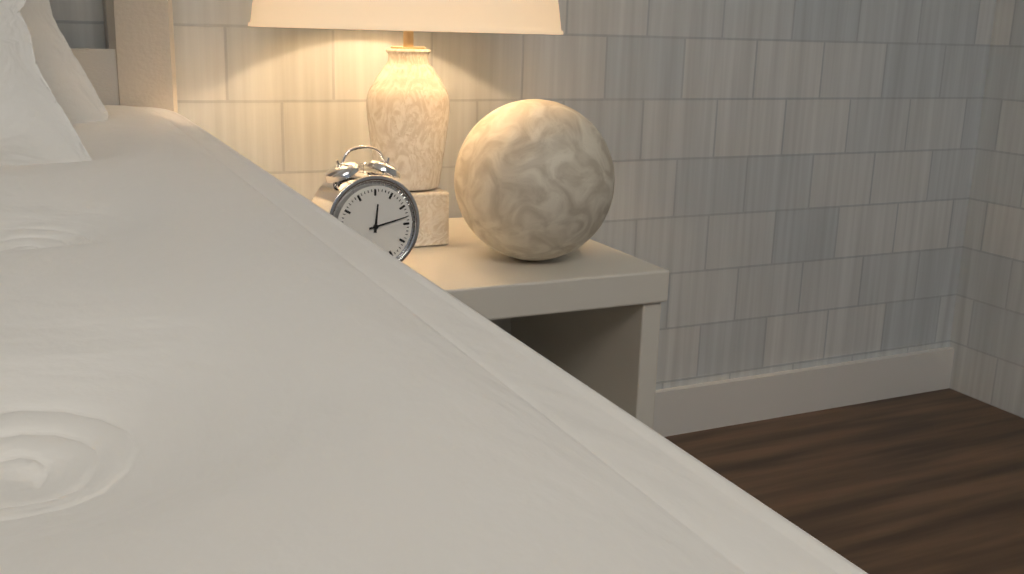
12:13
